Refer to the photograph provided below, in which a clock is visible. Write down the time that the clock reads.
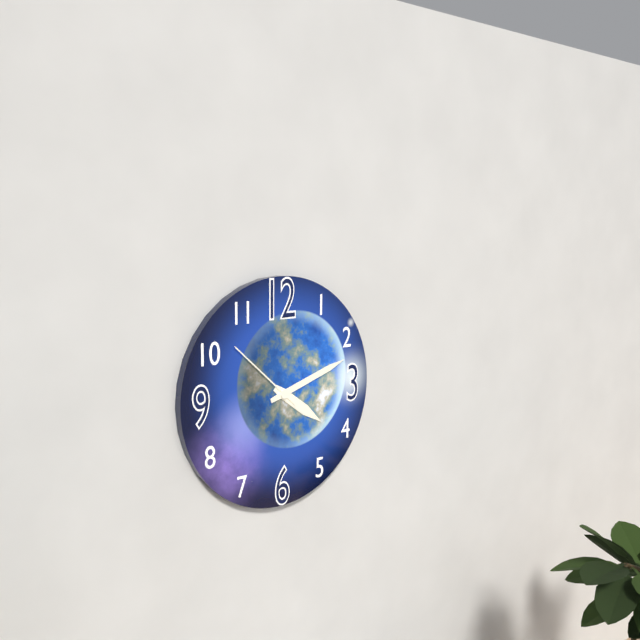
4:12:52
